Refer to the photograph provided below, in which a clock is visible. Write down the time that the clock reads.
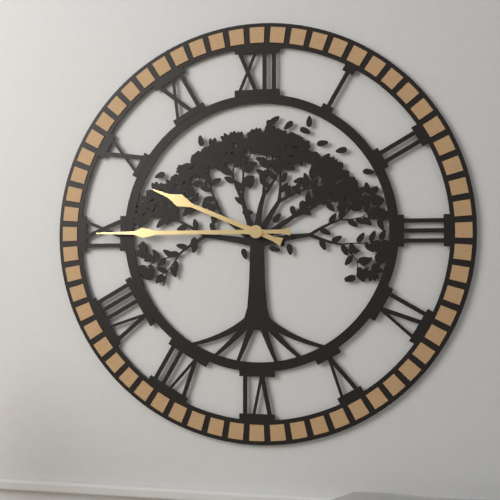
9:45
